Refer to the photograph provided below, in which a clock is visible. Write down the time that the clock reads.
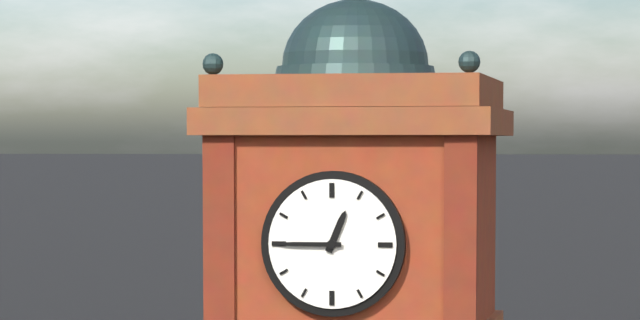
12:45
